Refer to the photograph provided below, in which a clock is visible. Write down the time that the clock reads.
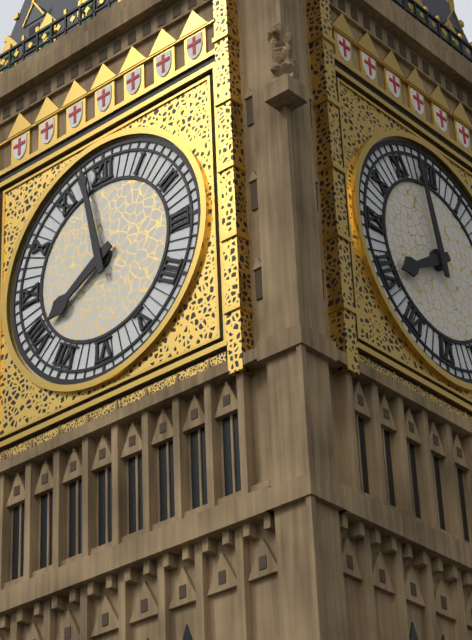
7:58
